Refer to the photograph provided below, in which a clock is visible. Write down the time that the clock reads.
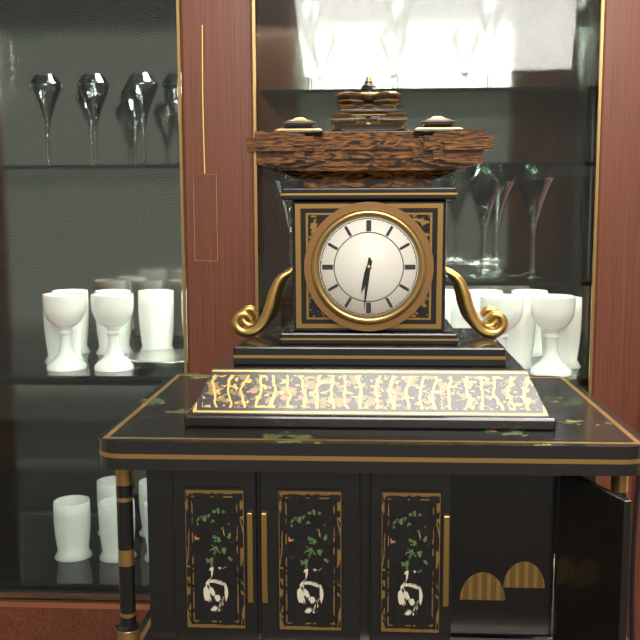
6:31
